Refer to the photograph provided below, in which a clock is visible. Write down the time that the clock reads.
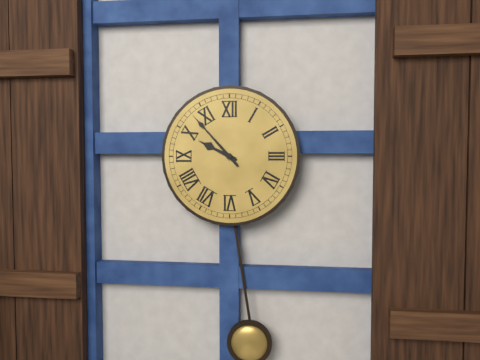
9:53
